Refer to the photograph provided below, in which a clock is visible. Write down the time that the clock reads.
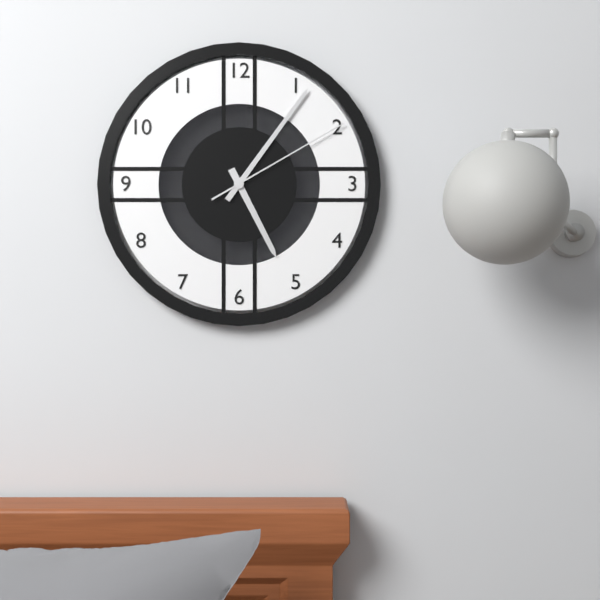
5:06:10
